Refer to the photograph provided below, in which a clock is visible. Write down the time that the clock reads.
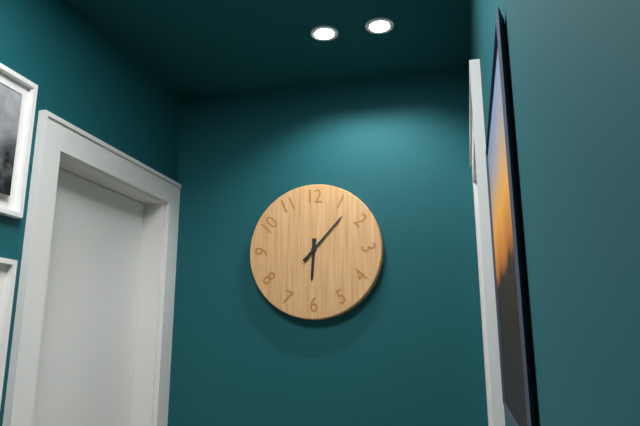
6:07
